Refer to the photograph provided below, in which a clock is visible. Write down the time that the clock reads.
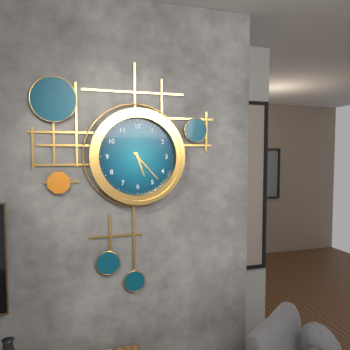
5:23
